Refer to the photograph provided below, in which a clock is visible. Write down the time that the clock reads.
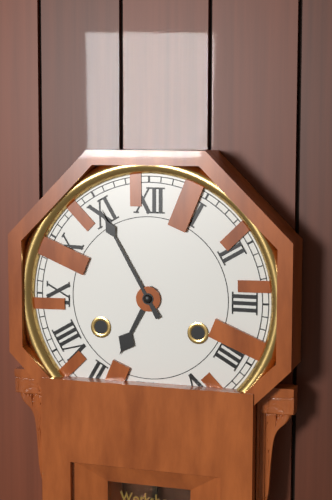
6:55
